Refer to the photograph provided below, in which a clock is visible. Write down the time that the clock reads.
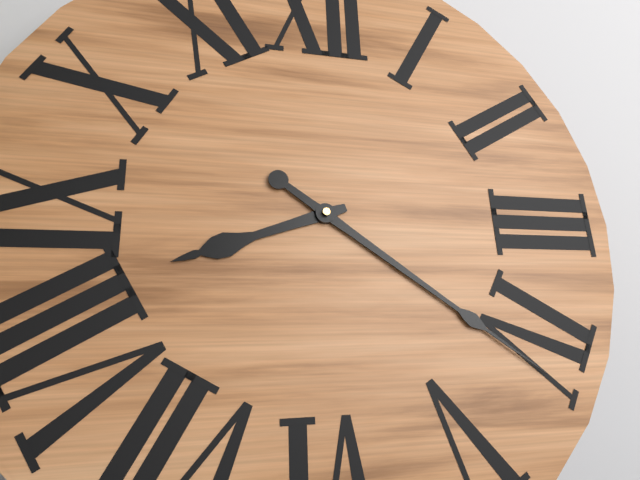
8:21
